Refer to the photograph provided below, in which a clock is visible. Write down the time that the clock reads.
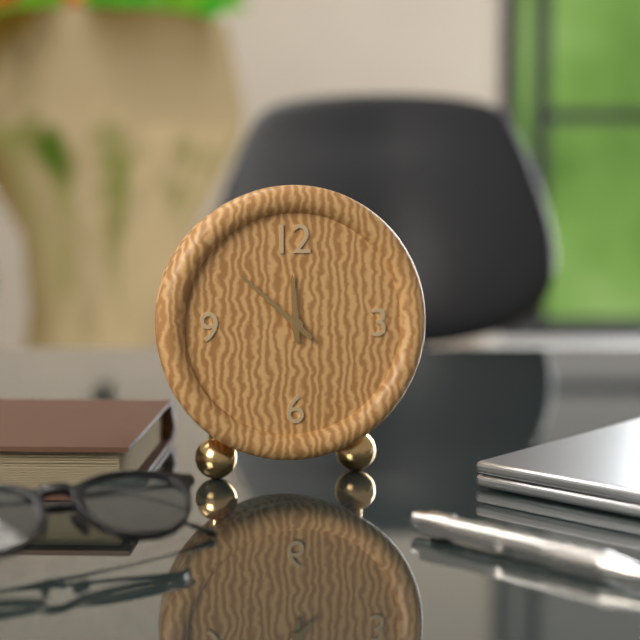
11:52
